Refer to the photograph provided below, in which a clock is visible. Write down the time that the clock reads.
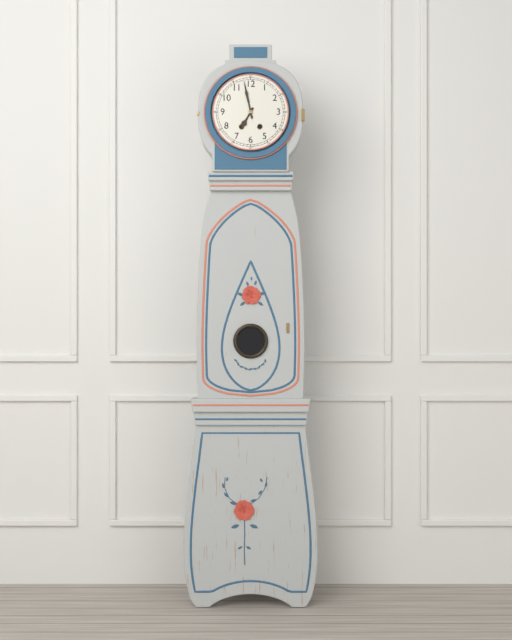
6:58
